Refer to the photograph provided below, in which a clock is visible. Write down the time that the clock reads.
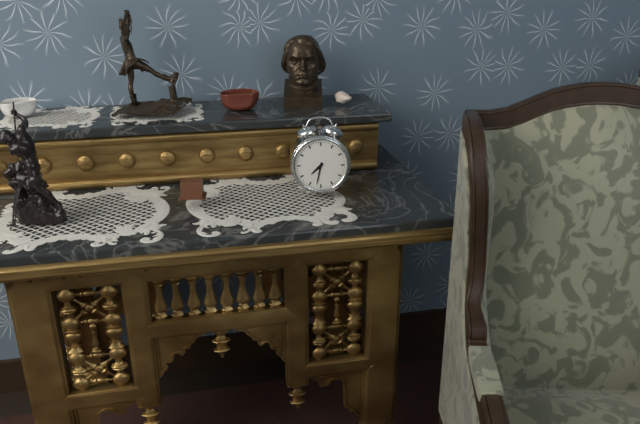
7:32
